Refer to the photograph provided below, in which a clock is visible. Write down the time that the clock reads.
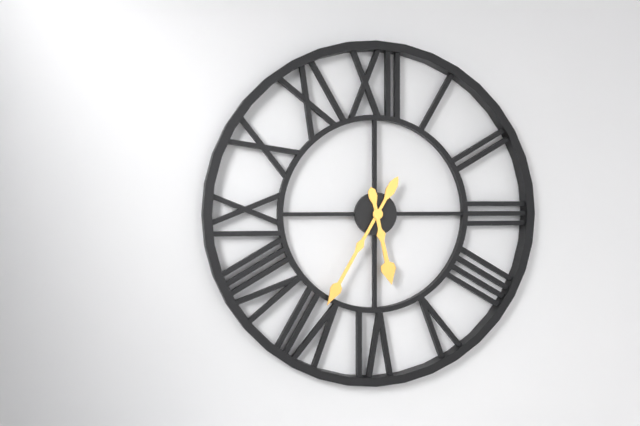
5:35
